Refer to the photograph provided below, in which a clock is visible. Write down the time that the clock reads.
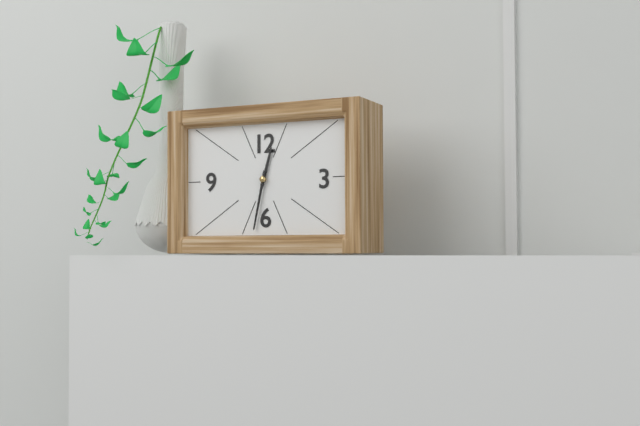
12:32
